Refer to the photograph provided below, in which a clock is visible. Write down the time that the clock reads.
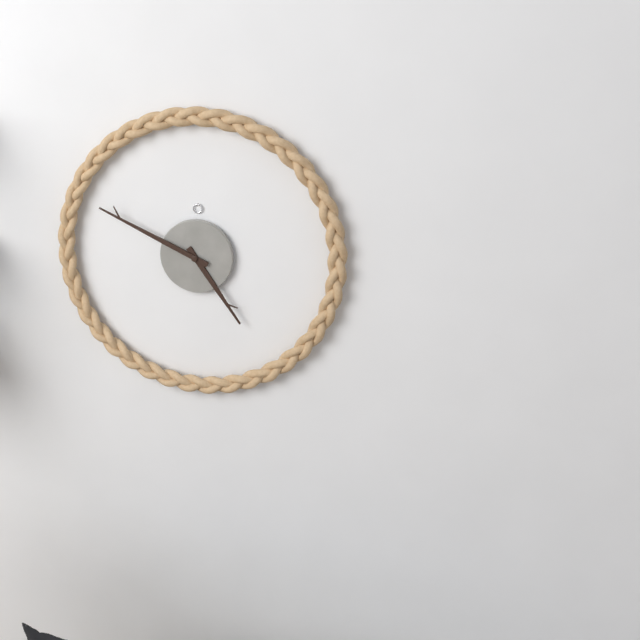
4:49
